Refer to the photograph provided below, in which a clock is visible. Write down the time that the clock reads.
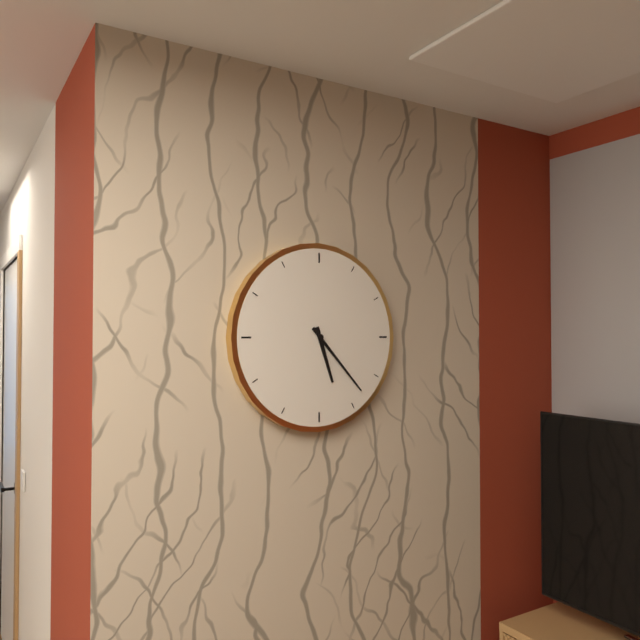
5:23
